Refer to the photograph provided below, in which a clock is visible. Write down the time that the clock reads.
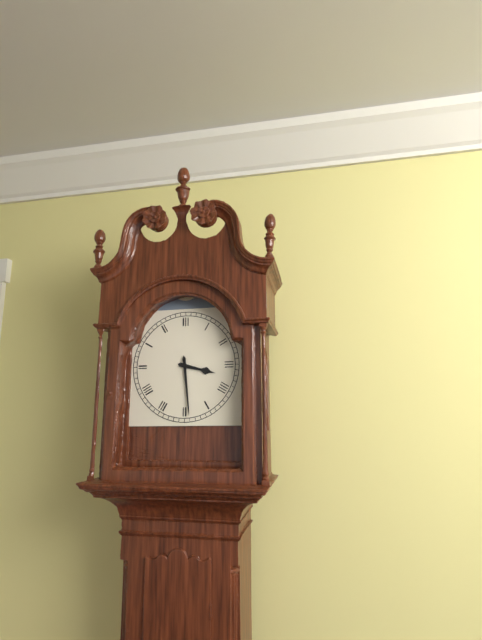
3:29
